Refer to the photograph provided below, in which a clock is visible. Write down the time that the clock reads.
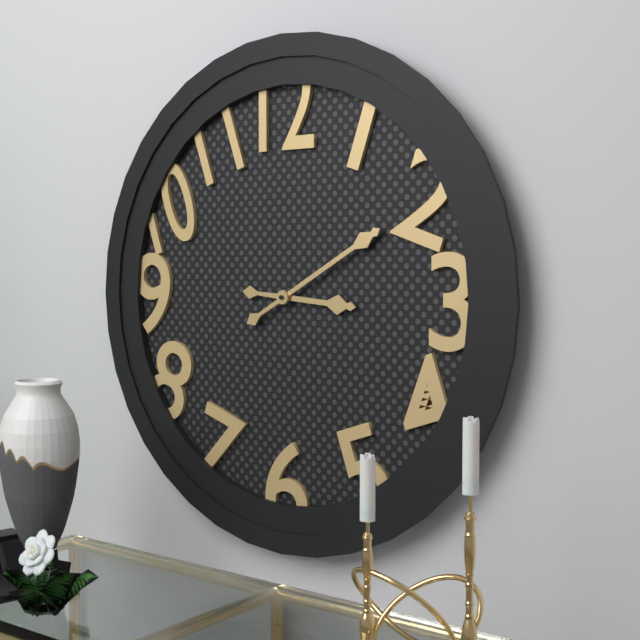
3:10
